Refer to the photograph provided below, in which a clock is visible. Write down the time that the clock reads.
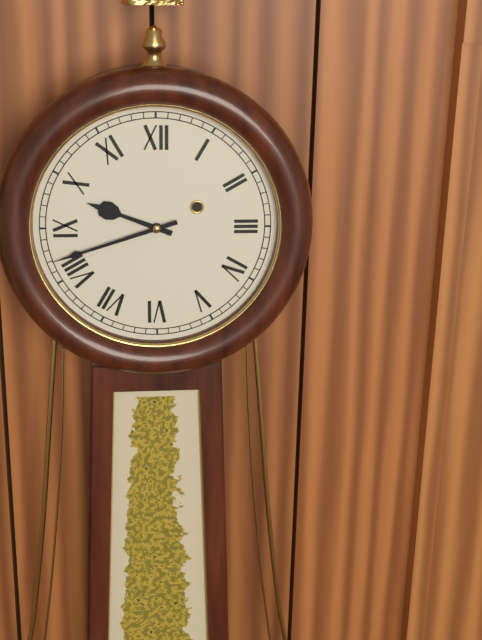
9:42
